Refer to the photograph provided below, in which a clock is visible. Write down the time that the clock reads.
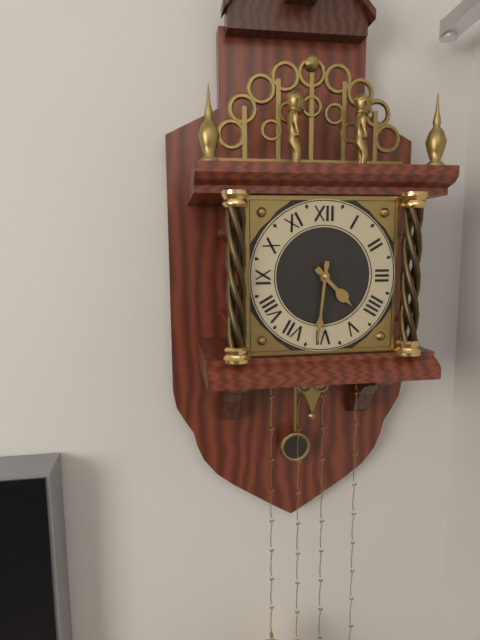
4:31
